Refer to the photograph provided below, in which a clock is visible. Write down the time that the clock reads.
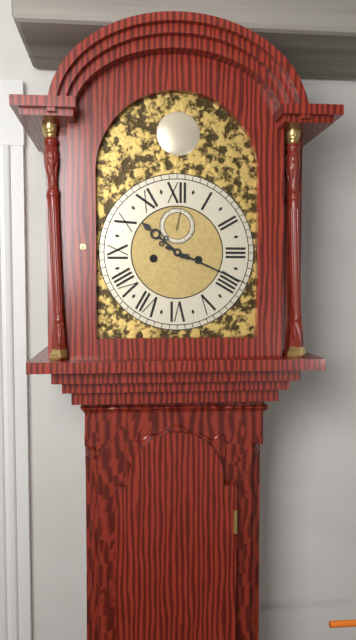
10:19
